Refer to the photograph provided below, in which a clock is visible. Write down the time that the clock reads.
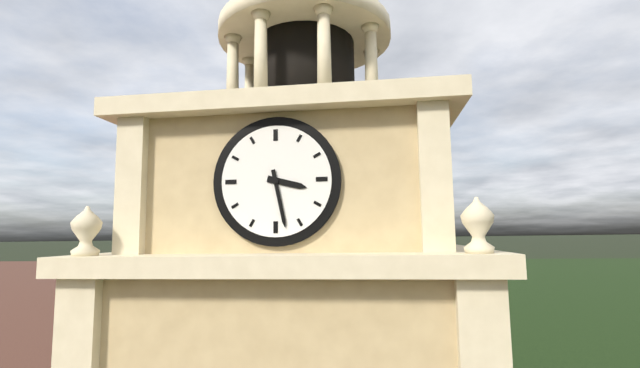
3:28
